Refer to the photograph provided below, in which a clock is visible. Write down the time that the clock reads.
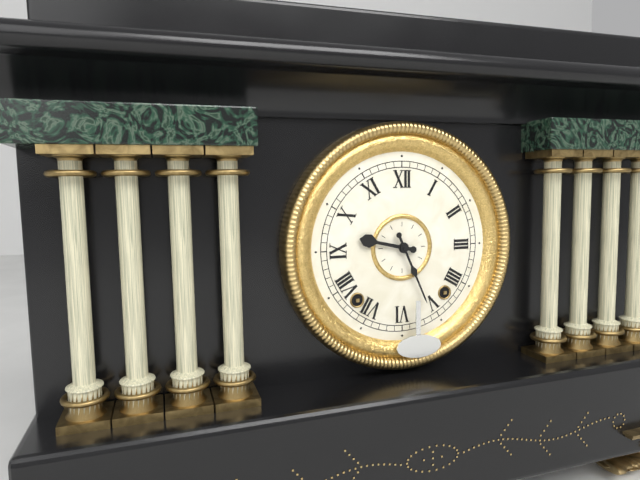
9:26
